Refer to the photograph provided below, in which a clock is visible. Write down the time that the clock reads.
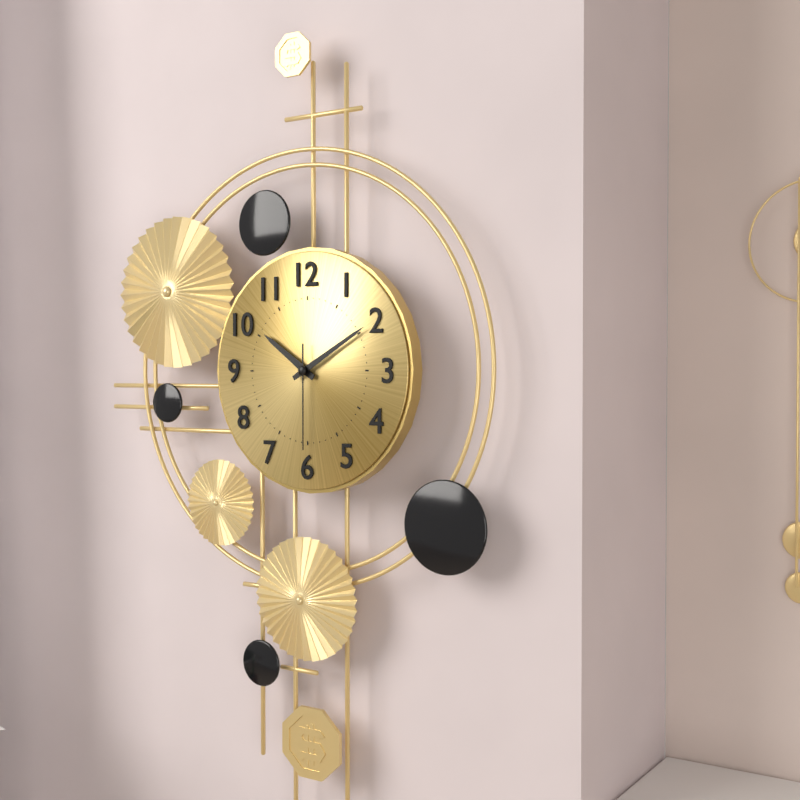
10:10:30
